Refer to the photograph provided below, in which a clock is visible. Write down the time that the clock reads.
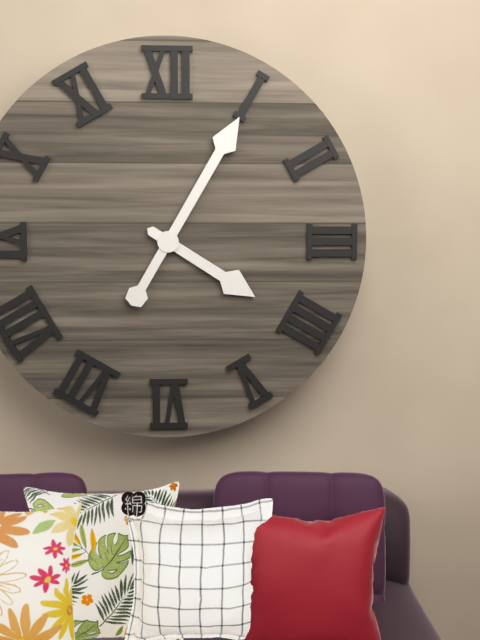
4:05
